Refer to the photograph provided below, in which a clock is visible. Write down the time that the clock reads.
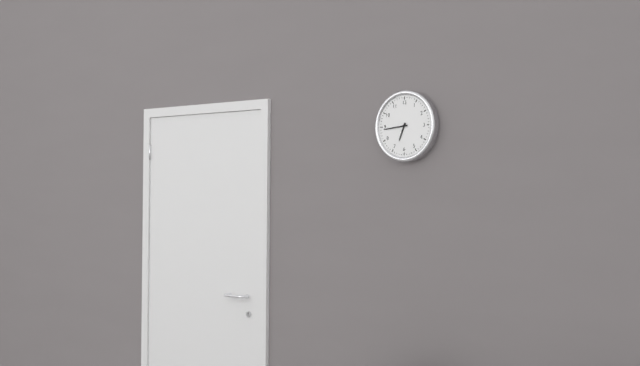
6:44
